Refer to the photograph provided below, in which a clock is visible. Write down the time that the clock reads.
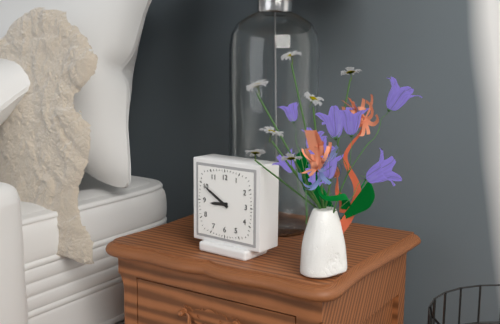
8:50
